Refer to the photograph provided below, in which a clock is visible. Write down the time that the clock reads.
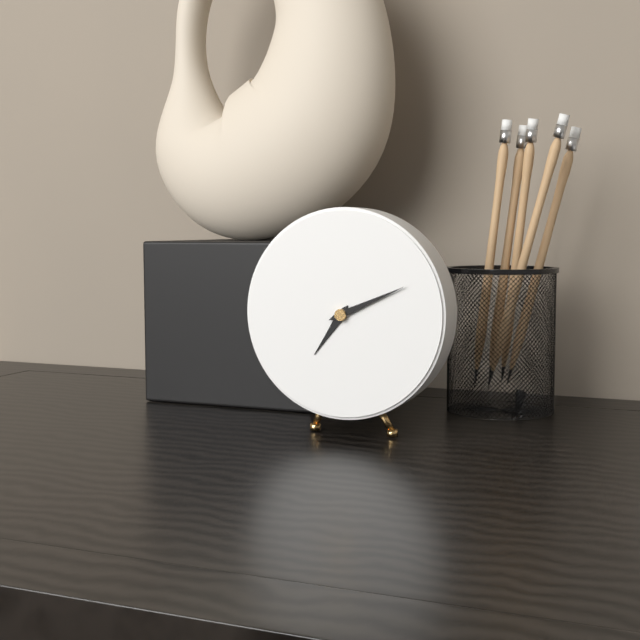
7:11
